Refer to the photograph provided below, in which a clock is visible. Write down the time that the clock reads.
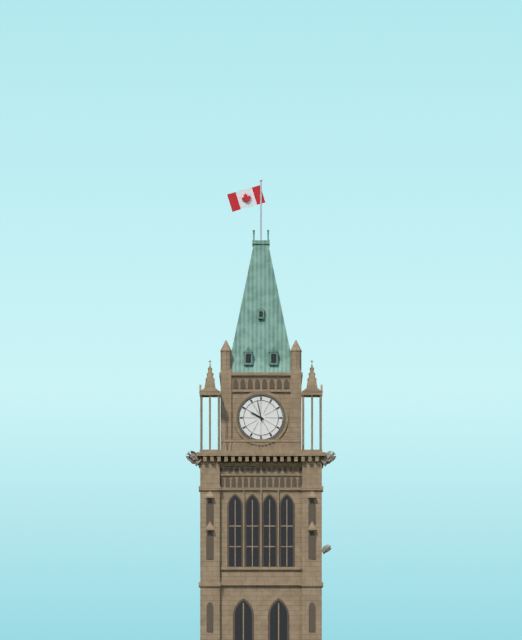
9:58
